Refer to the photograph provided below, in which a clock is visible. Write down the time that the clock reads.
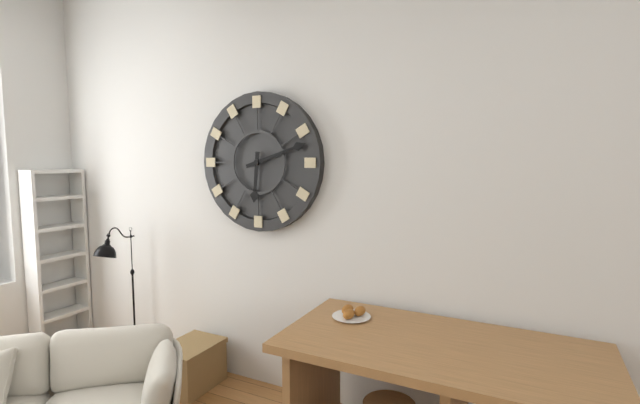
6:12
